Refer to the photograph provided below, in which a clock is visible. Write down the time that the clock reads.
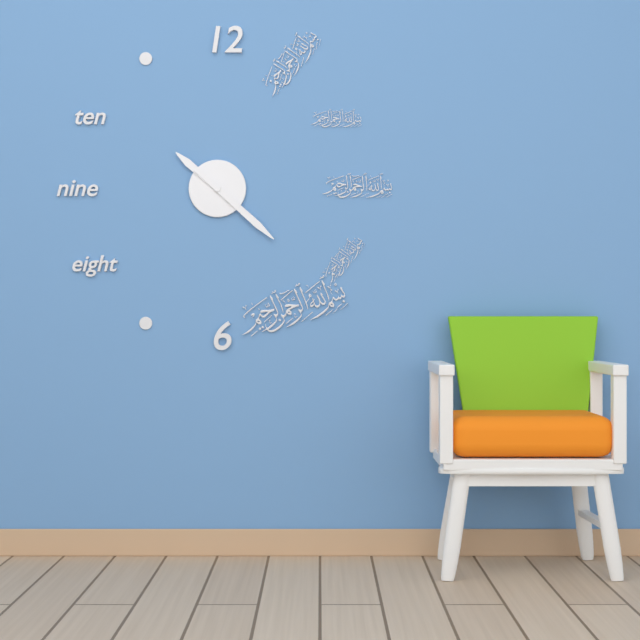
10:22
